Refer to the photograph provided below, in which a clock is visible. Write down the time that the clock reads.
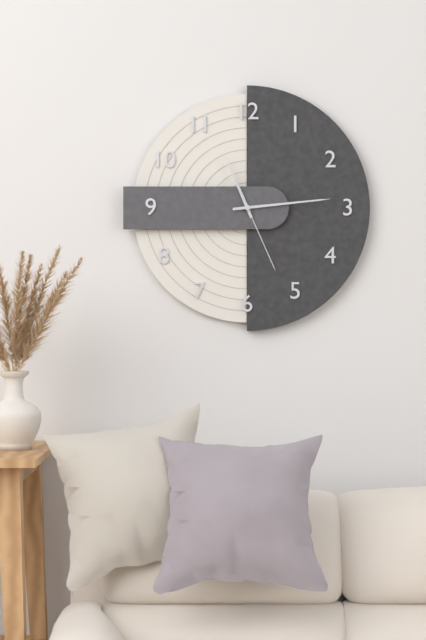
11:14:26
